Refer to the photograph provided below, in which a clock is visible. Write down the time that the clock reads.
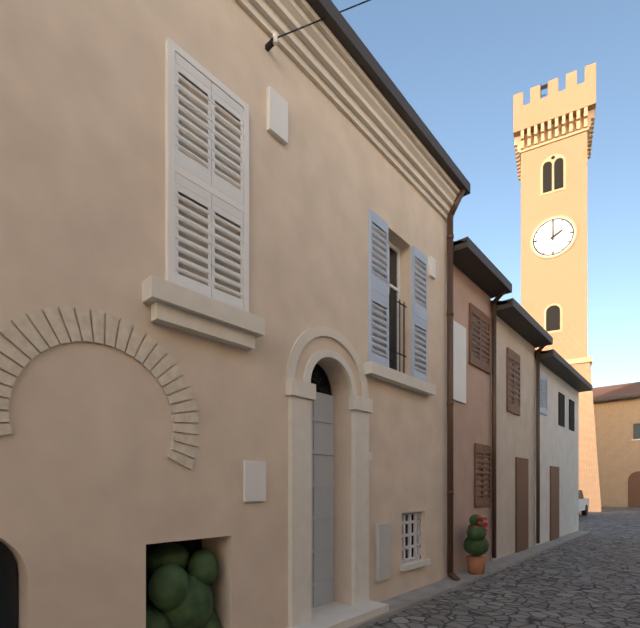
2:00
